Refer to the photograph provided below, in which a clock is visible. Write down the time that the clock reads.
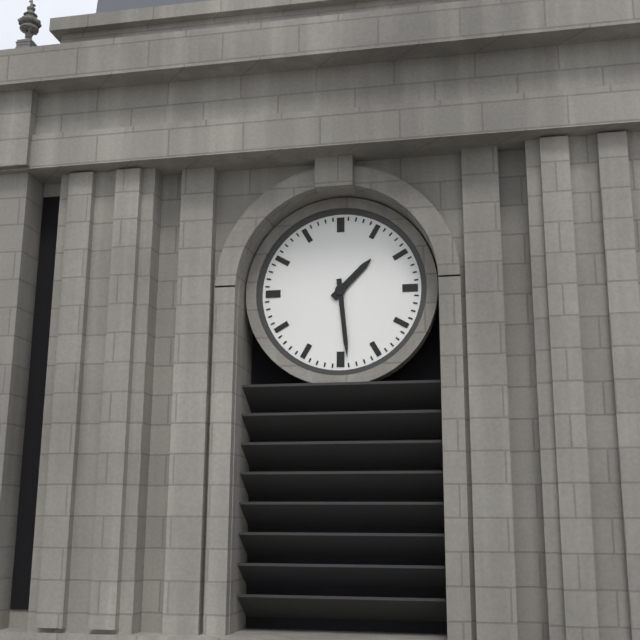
1:29
